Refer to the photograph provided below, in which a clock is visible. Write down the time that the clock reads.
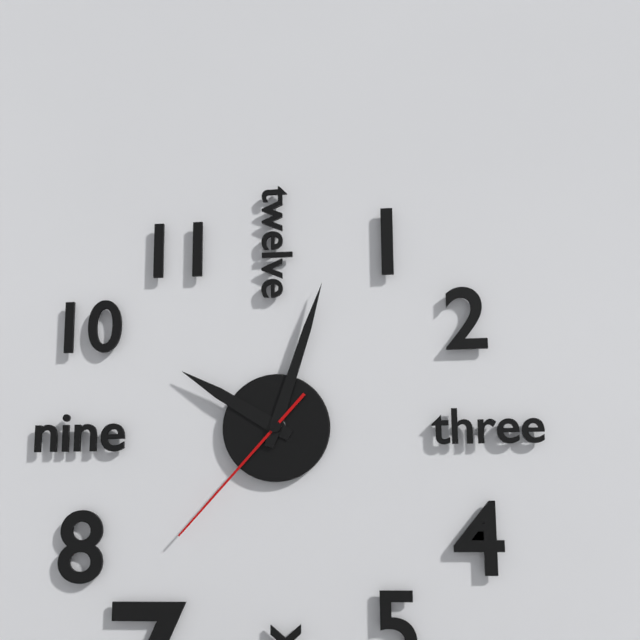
10:03:37
